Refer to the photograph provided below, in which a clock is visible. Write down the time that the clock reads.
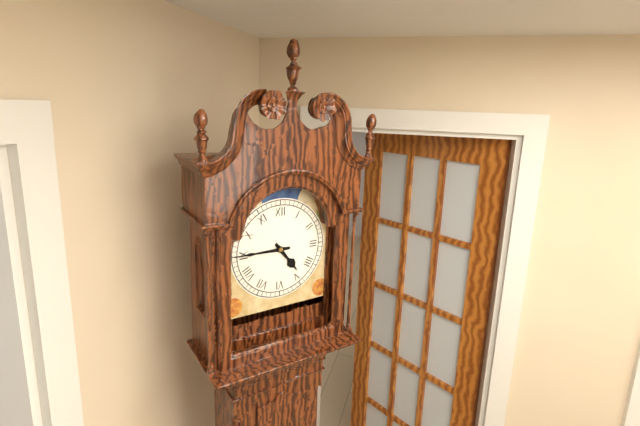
4:45
